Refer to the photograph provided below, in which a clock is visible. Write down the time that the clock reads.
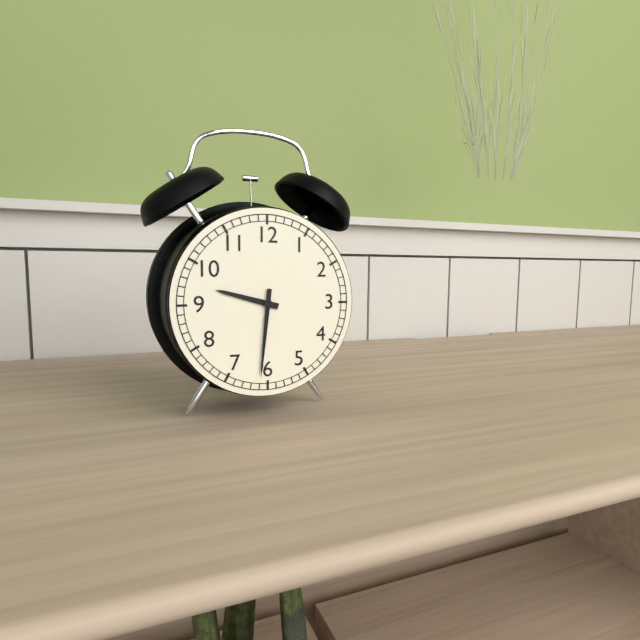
9:31
